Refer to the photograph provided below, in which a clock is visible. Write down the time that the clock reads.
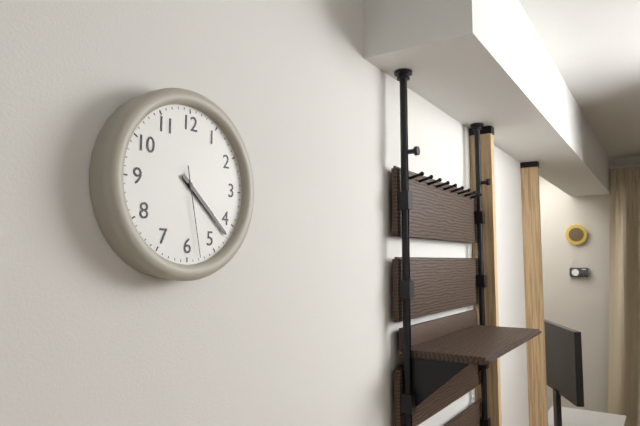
4:22:28
